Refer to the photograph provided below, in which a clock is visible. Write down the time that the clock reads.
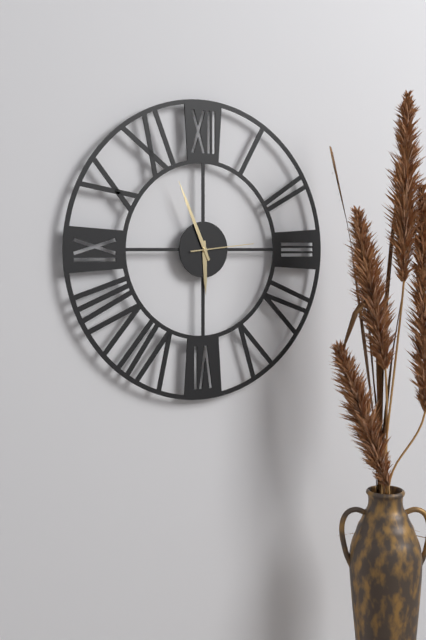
5:56:14
